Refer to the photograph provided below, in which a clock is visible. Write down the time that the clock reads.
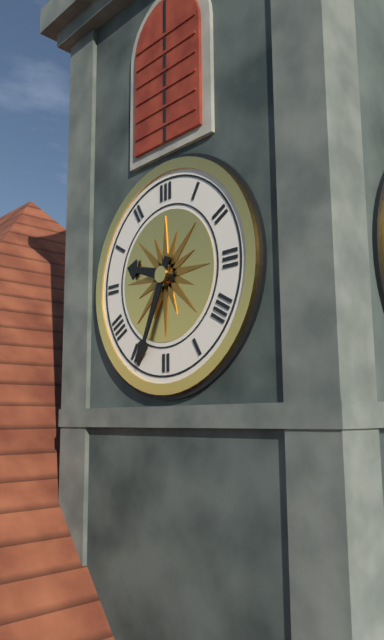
9:34
